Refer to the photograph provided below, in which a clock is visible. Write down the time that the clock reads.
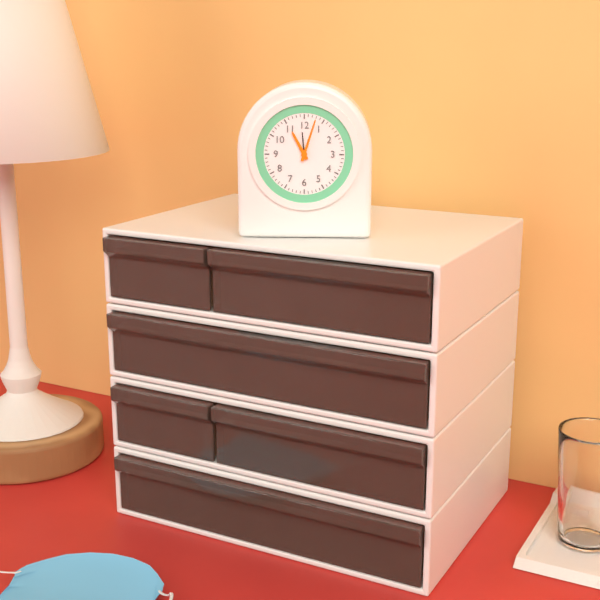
11:03
